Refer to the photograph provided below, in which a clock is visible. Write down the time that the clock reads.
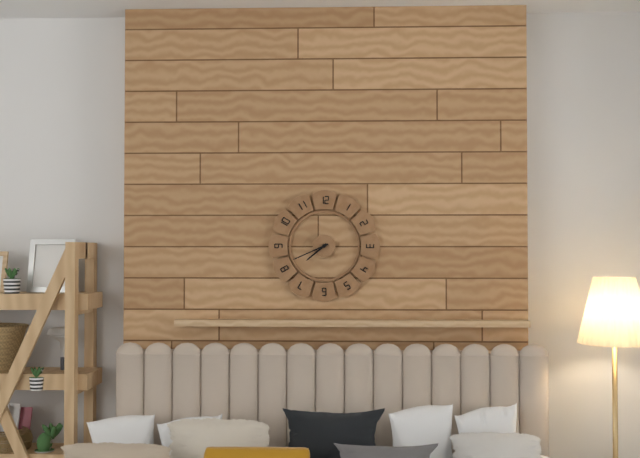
7:41
